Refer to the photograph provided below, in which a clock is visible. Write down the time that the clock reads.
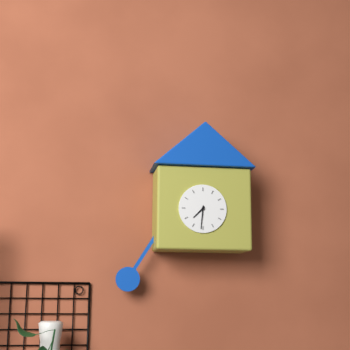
7:31
